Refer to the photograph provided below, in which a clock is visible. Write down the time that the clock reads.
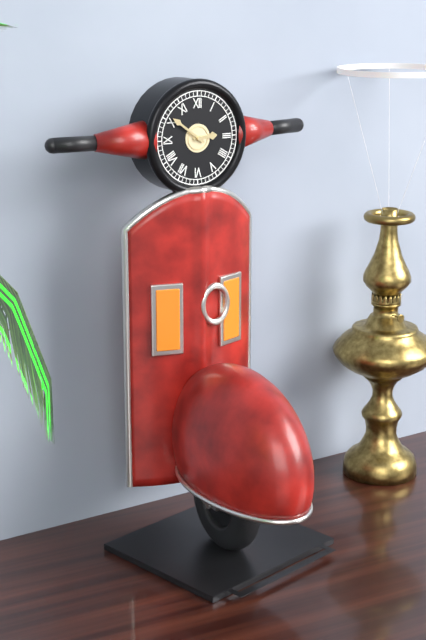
2:51
